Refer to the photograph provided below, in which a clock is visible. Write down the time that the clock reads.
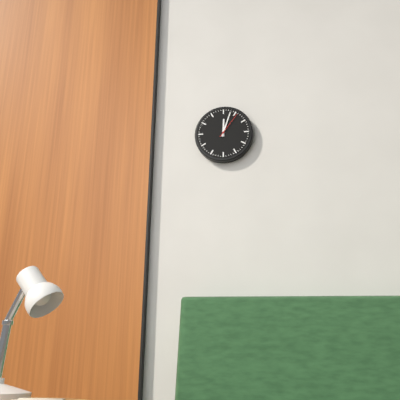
12:03
